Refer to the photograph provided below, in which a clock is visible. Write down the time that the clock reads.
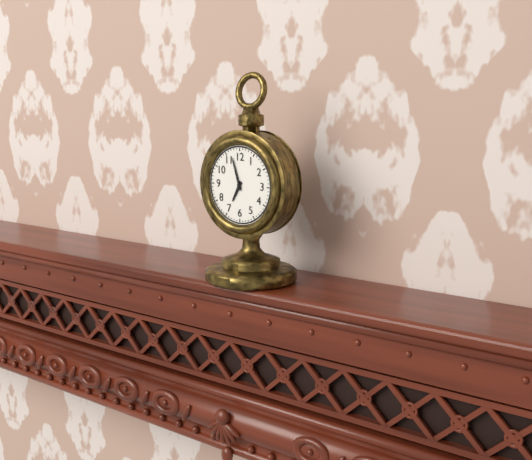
6:57
